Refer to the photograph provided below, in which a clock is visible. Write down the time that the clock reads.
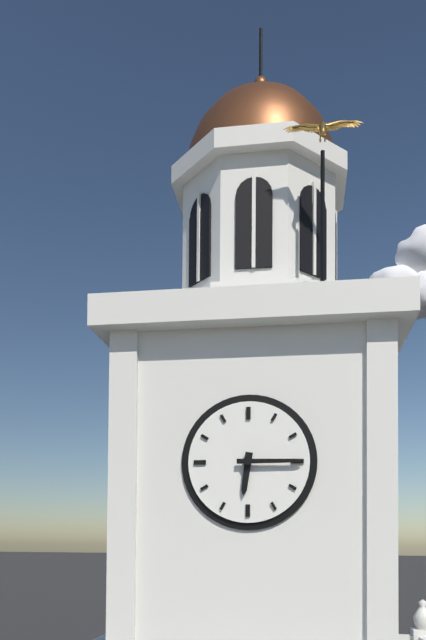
6:15
